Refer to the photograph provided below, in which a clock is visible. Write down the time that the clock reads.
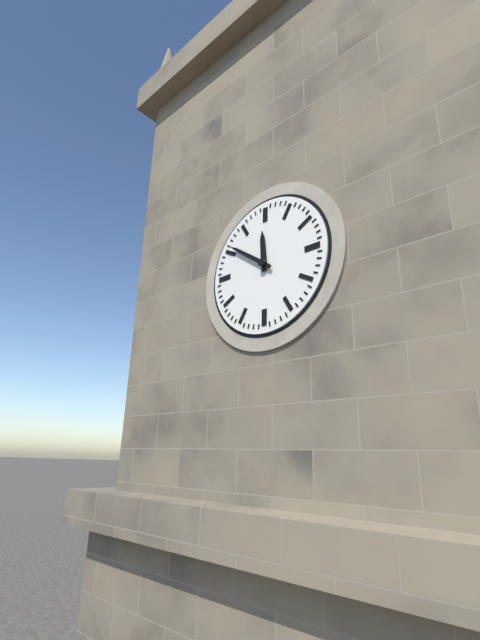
11:51
